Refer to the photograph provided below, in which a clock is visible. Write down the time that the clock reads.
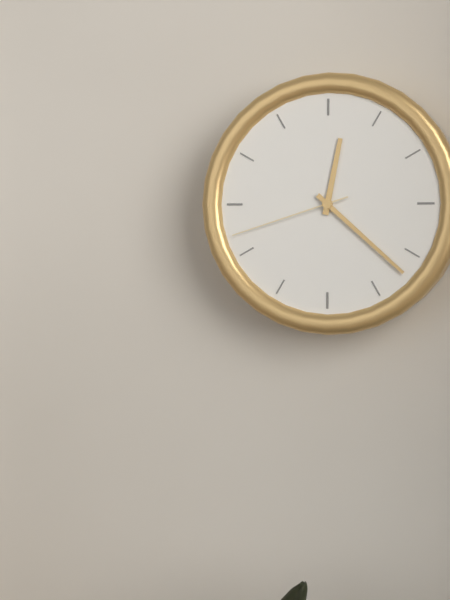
12:22:42
